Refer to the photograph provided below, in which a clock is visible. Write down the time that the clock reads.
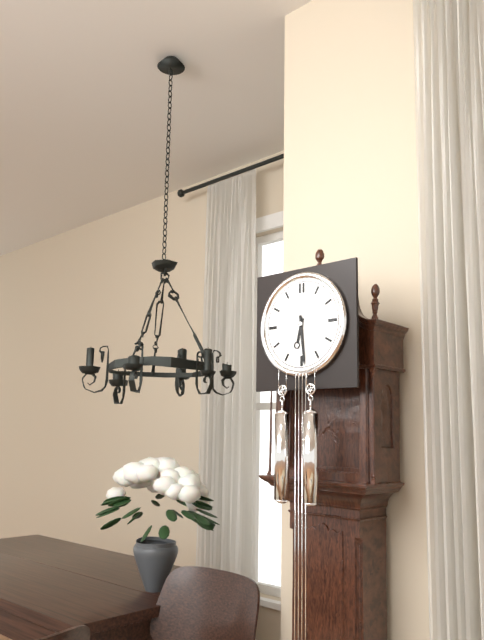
6:29
